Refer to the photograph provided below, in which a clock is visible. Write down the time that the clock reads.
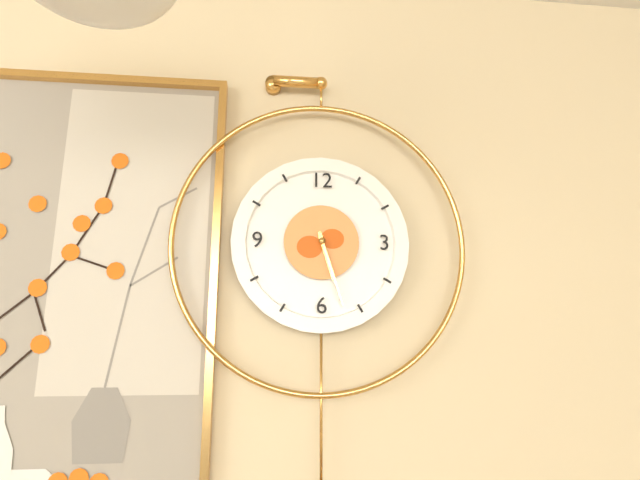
5:27
